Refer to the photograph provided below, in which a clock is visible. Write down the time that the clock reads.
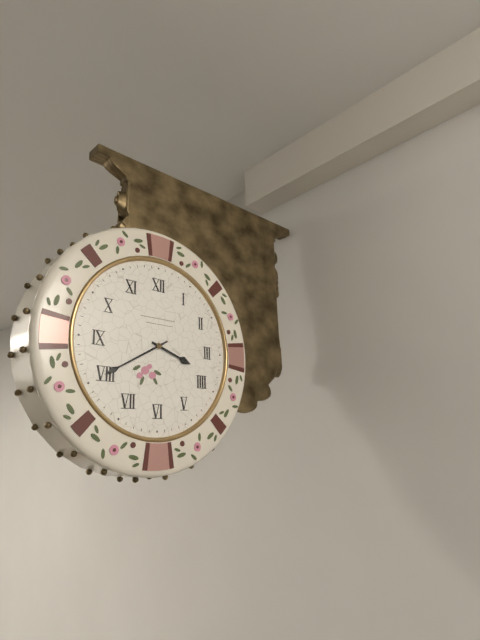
3:40
